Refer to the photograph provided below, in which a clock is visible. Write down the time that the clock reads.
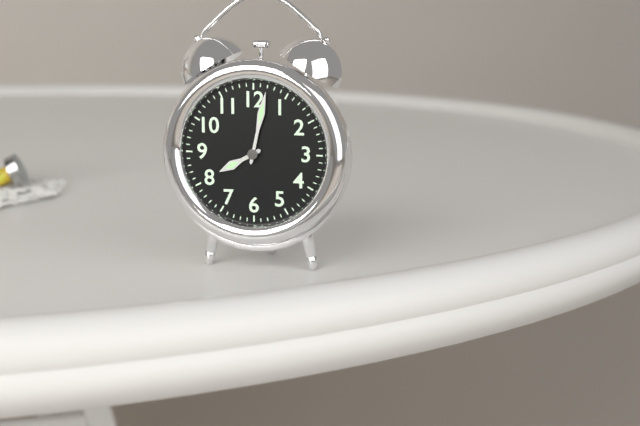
8:02
